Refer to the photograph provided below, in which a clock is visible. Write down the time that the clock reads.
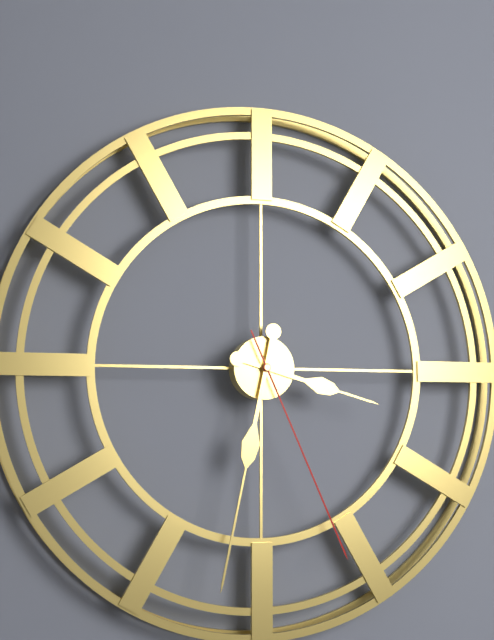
3:32:26
